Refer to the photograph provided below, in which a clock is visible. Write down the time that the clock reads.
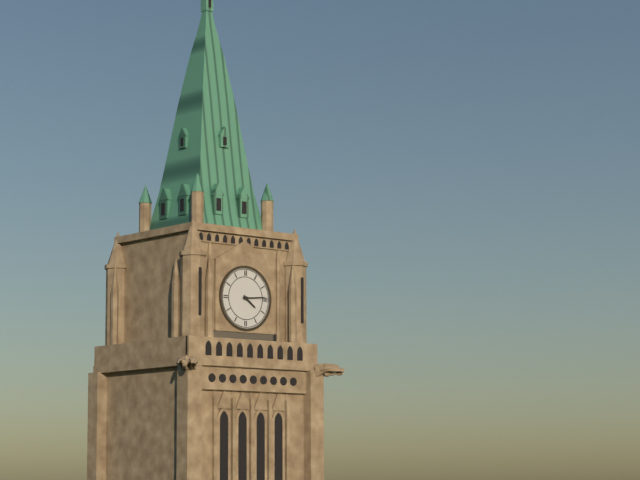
4:14
